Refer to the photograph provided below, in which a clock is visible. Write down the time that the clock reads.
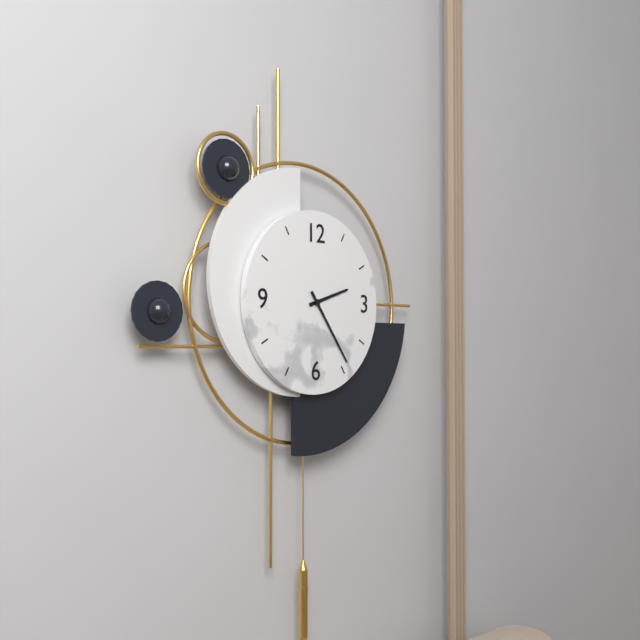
2:24
